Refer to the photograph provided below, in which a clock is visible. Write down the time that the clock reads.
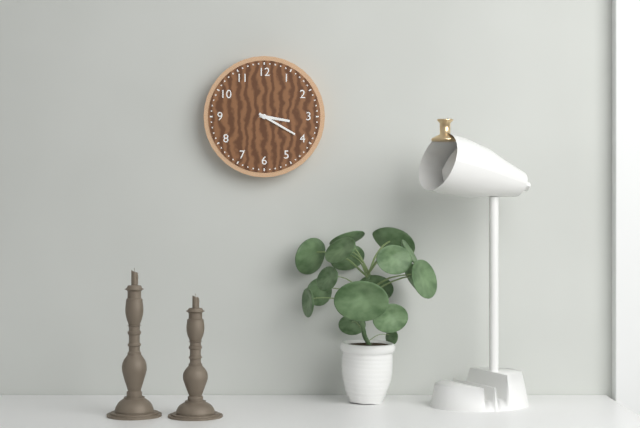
3:20
